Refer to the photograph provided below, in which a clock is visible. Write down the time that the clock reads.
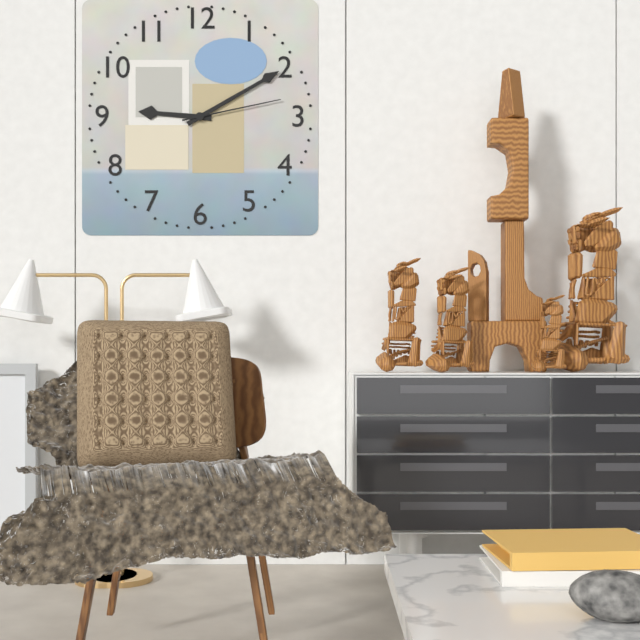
9:10:13
